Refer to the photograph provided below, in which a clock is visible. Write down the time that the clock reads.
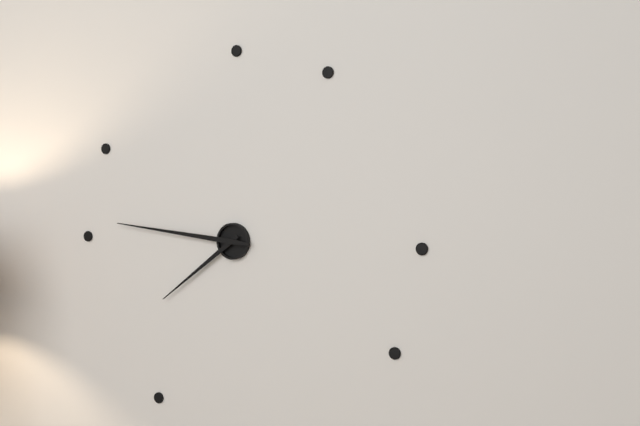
7:46
